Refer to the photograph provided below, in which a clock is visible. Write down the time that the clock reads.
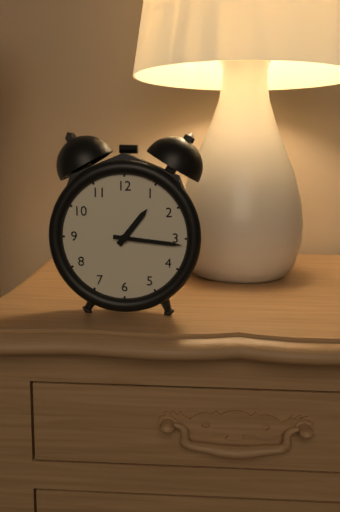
1:16
